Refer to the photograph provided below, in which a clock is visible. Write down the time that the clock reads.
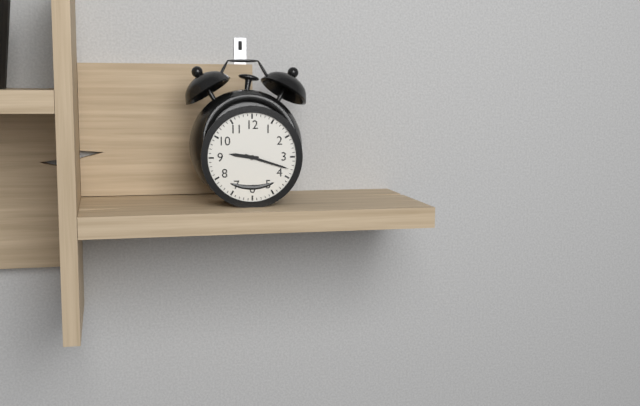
9:18
